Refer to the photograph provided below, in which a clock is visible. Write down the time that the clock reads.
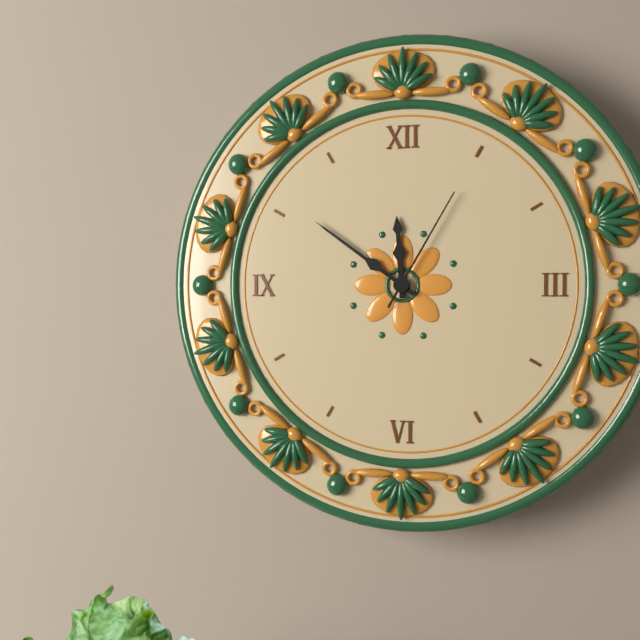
11:51:05
